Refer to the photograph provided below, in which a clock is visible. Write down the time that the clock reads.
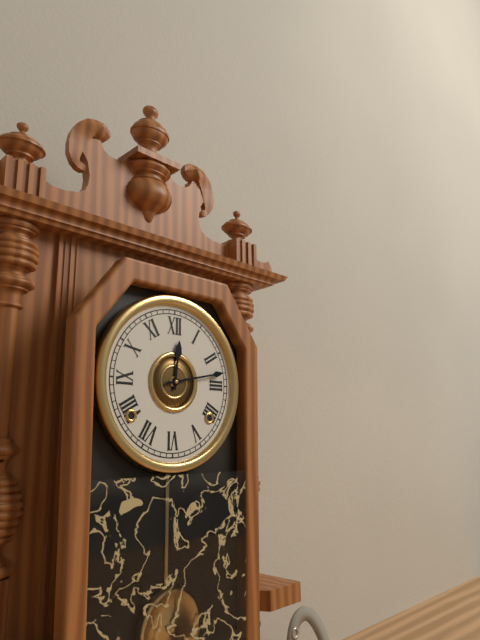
12:13
